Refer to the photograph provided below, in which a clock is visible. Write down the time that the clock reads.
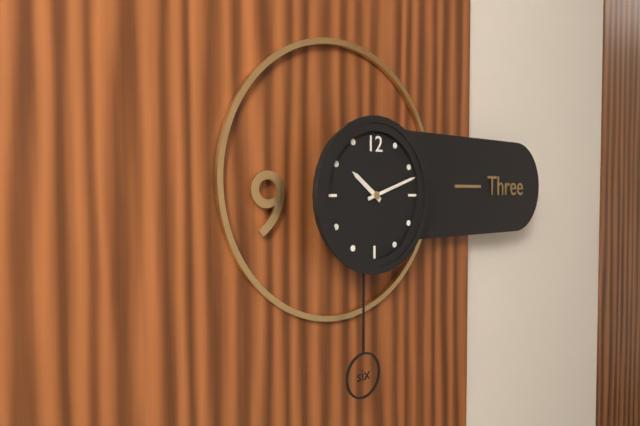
10:12
